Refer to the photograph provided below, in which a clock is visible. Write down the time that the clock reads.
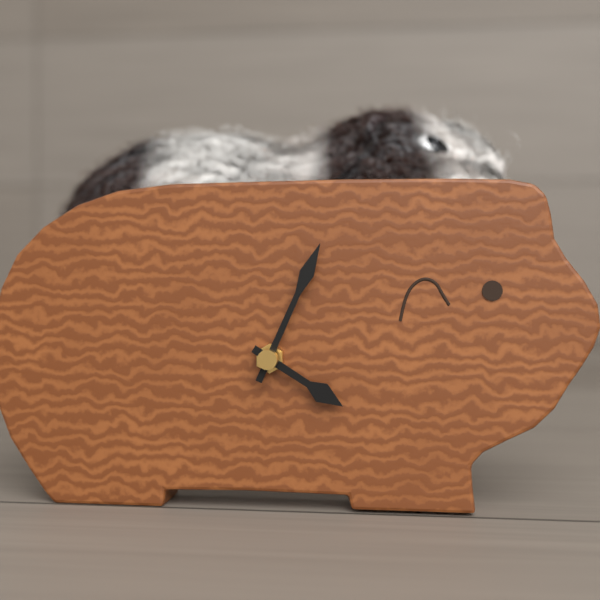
4:04
